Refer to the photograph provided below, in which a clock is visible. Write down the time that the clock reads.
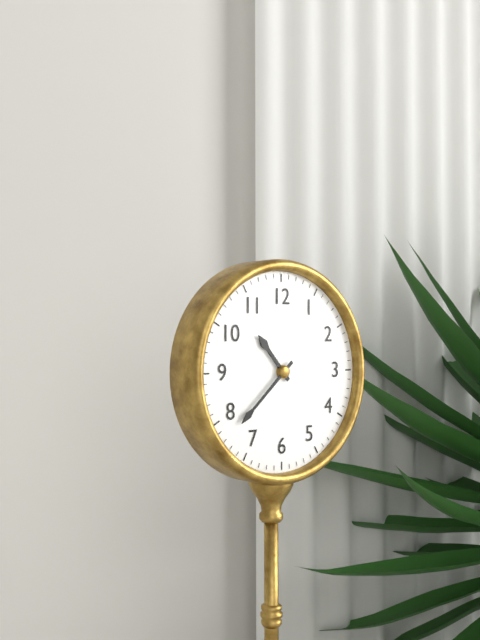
10:38
